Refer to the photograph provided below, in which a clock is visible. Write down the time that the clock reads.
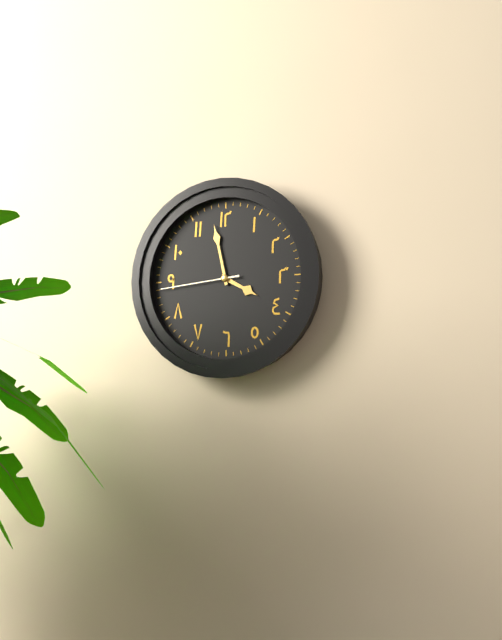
3:58:44
